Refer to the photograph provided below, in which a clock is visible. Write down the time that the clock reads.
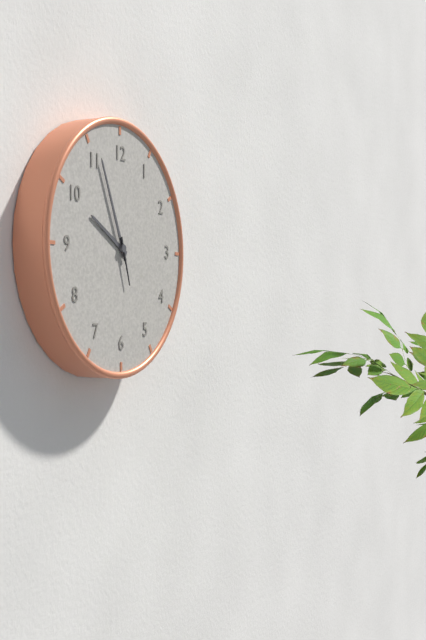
9:56
